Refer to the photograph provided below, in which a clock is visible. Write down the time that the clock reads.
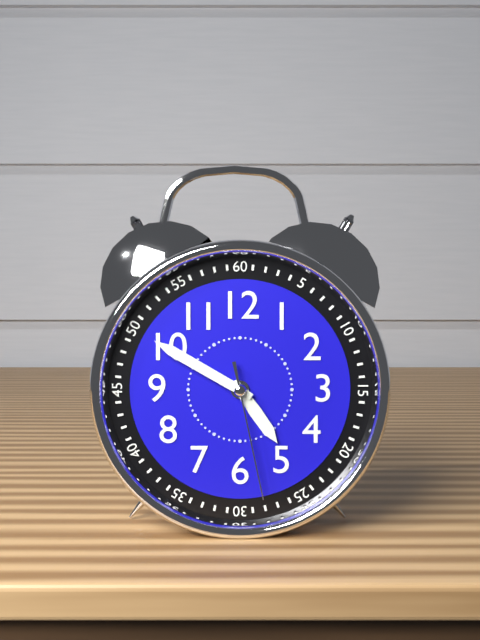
4:50:28
